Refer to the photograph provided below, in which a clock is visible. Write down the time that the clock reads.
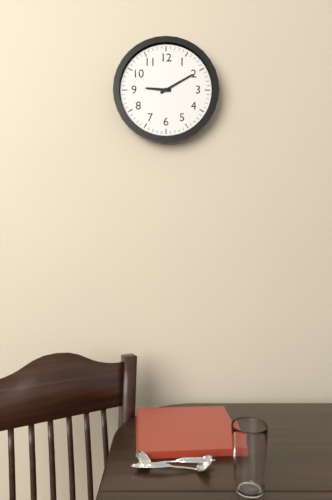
9:10
